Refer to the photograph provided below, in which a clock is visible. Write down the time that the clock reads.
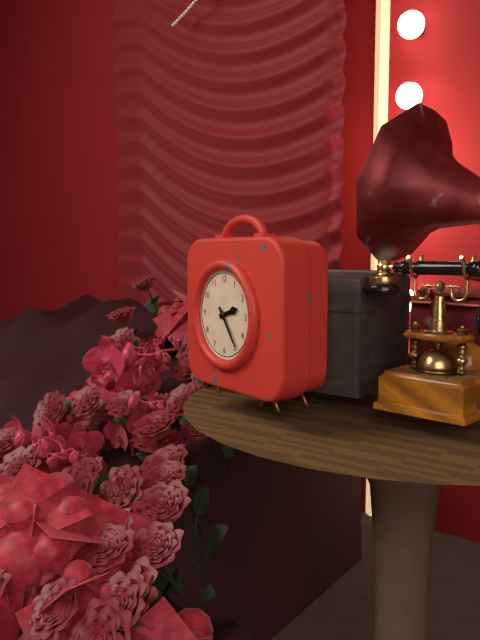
2:24
